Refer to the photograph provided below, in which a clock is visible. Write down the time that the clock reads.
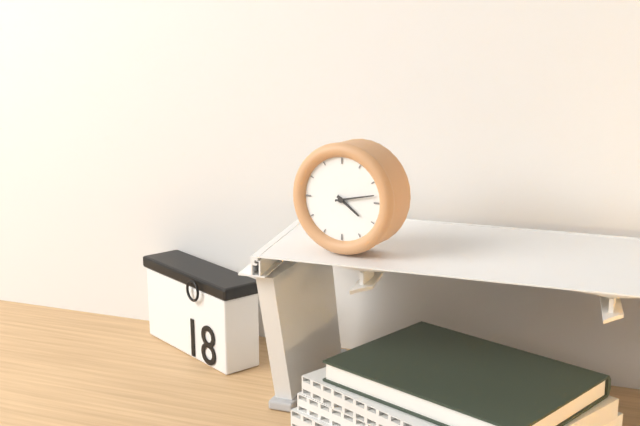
4:13
